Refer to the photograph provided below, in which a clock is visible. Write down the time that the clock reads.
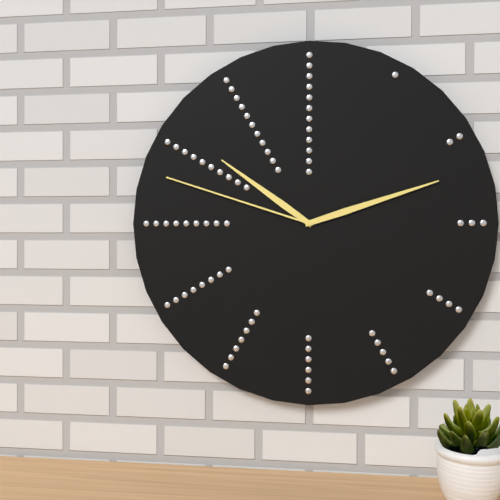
10:12:48
